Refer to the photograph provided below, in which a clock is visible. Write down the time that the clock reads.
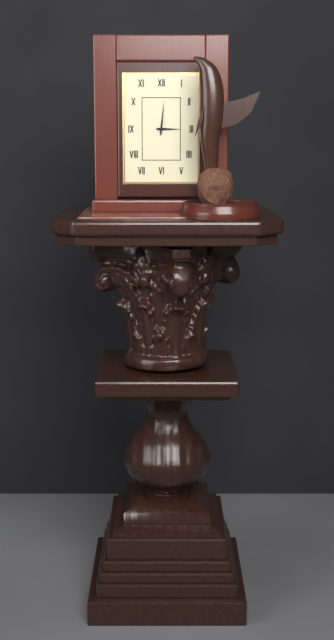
3:01
